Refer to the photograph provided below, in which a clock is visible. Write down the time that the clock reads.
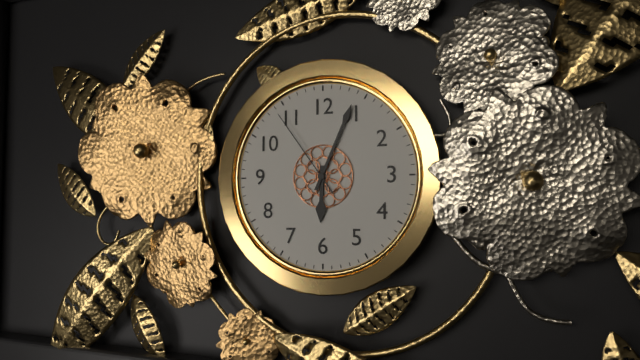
6:04:54
